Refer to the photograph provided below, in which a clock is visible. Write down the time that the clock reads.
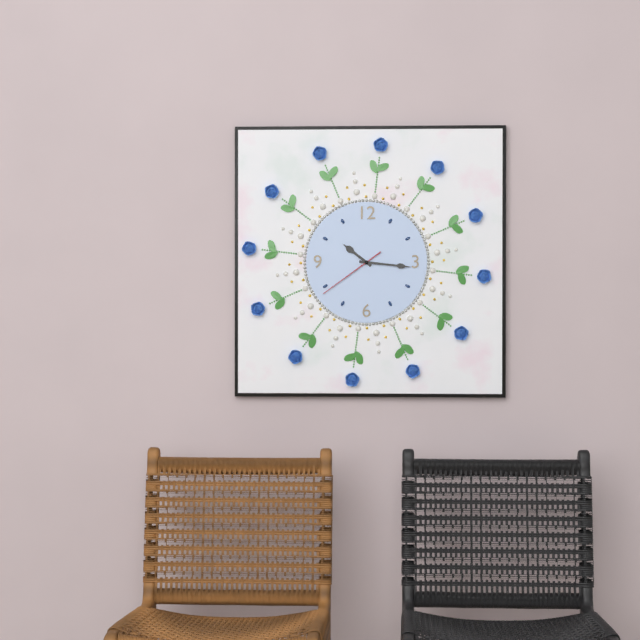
10:16:39
